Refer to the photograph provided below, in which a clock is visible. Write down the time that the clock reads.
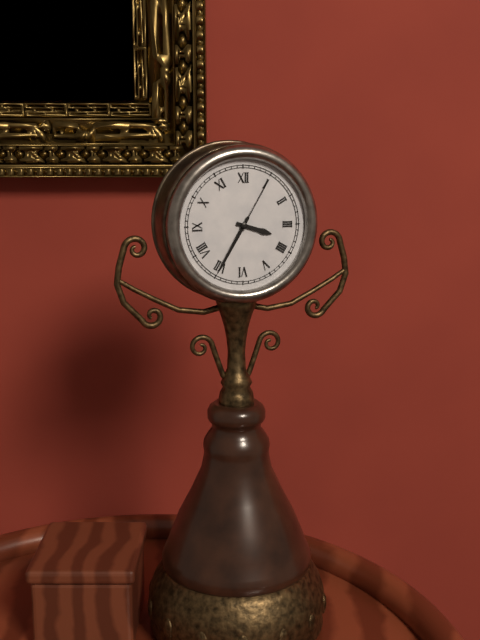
3:35:05
